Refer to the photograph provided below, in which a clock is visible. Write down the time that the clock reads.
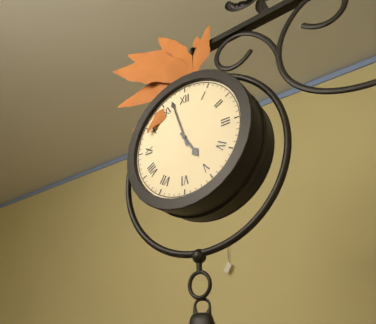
4:57
